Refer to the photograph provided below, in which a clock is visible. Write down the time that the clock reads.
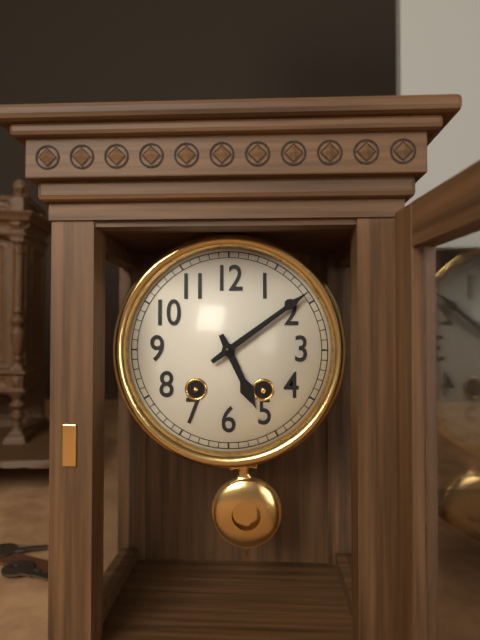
5:09
